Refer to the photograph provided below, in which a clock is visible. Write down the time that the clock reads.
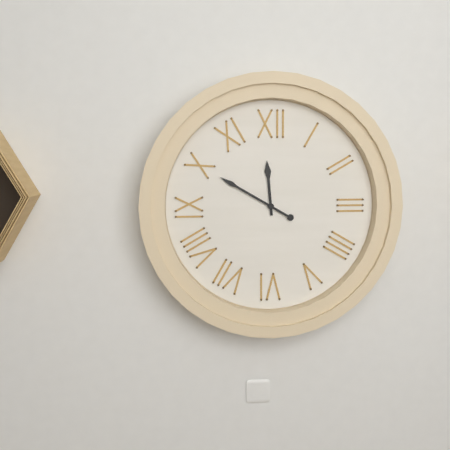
11:50
